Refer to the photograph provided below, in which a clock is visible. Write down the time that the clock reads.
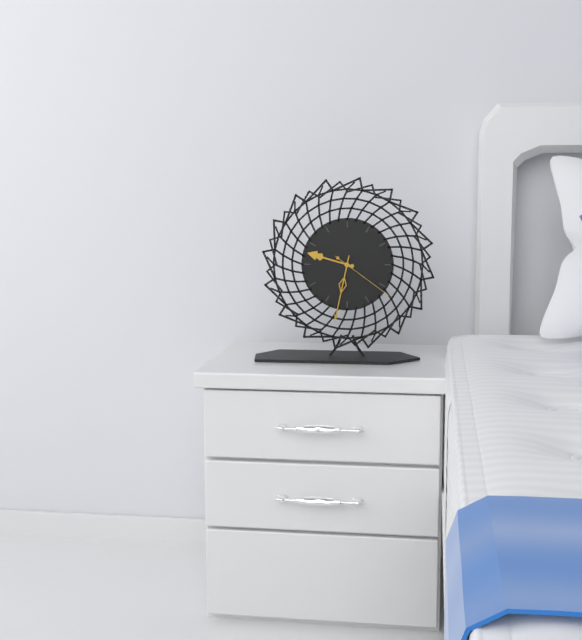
9:32:21
